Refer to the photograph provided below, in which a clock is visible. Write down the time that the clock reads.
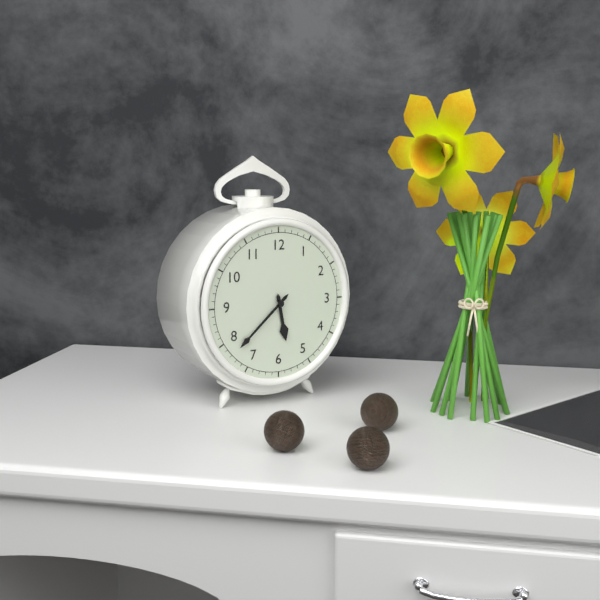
5:38
